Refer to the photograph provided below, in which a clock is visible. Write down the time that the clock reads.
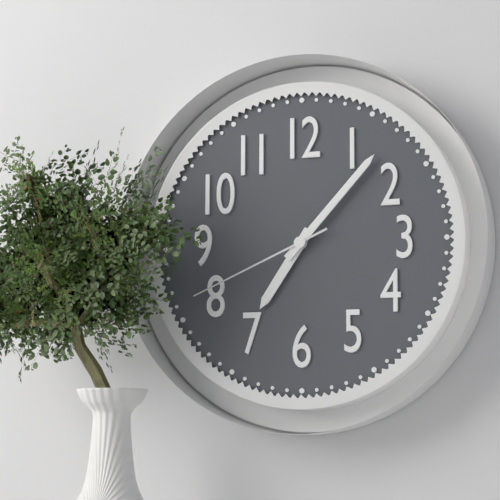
7:07:41
